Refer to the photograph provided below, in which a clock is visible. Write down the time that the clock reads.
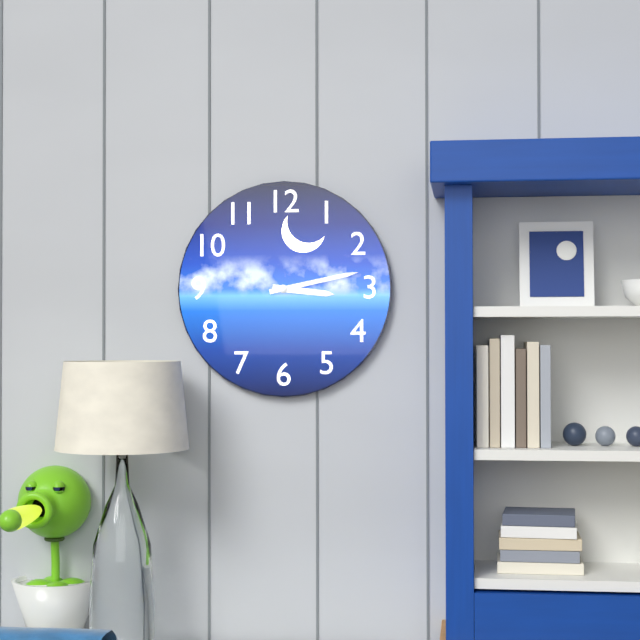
3:13
